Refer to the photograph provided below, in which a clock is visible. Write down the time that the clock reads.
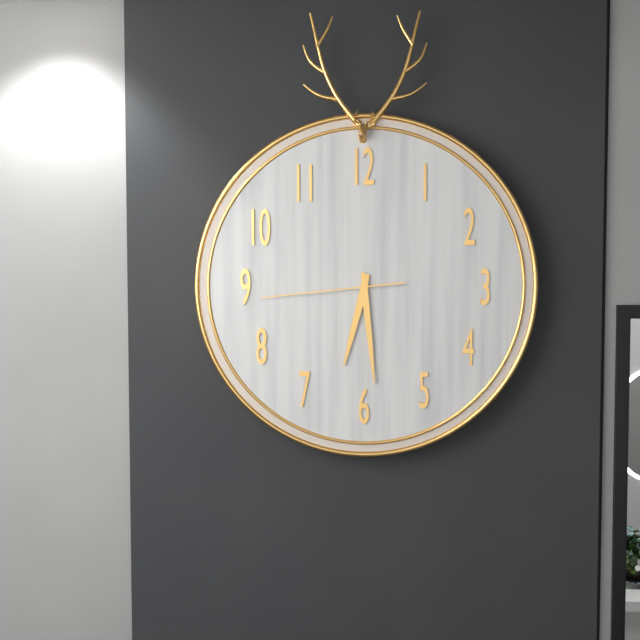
6:29:44
